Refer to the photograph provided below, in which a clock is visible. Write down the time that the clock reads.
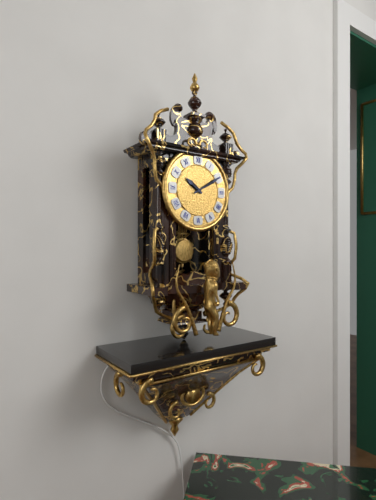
10:10
